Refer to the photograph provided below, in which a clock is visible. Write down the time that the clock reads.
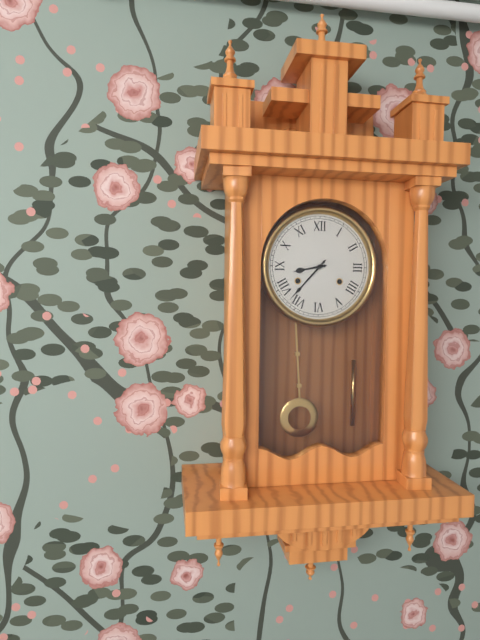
8:37
